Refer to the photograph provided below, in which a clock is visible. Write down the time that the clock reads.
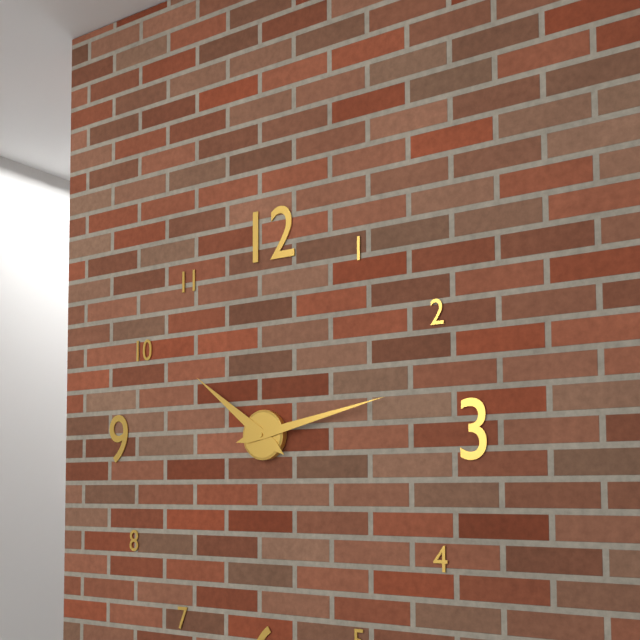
10:13
